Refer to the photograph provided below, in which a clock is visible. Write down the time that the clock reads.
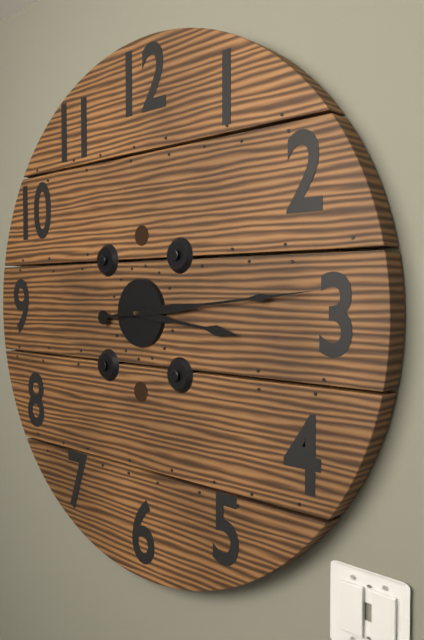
3:14
